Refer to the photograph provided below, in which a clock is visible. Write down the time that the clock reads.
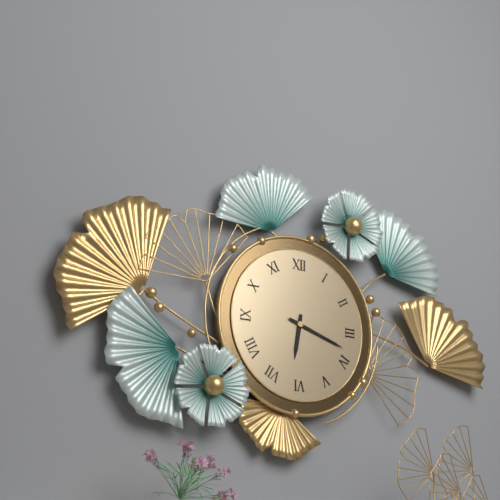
6:18
